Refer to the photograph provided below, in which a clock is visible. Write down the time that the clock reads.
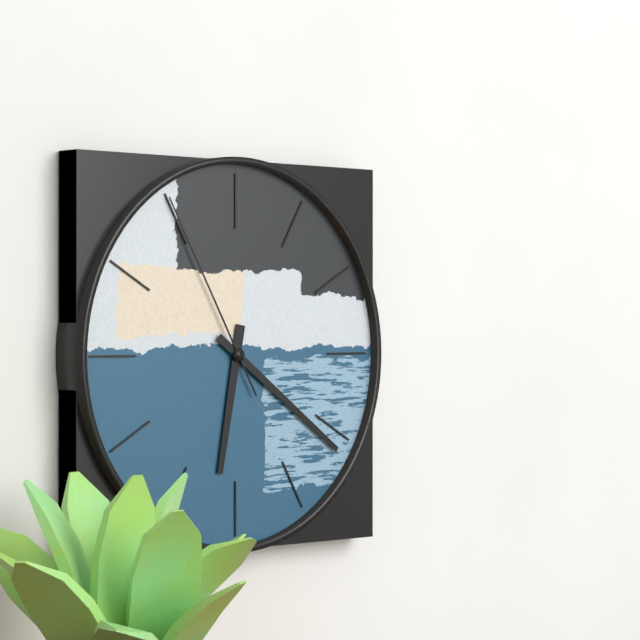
6:21:55
